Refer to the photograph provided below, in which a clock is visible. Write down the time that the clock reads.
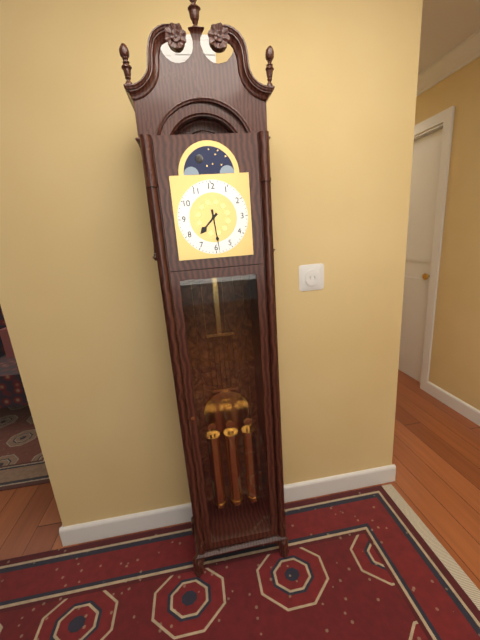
7:29
